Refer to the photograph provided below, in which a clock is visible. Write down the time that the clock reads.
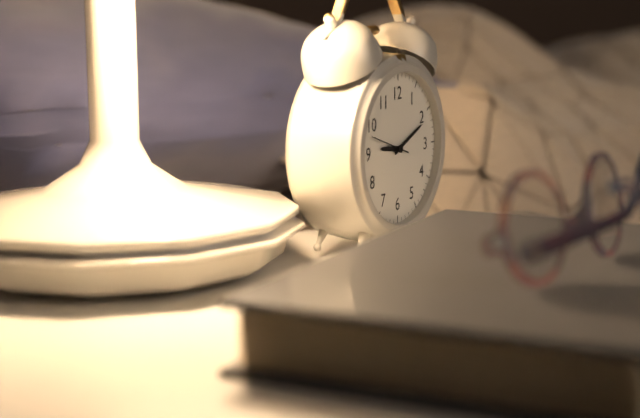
9:11
